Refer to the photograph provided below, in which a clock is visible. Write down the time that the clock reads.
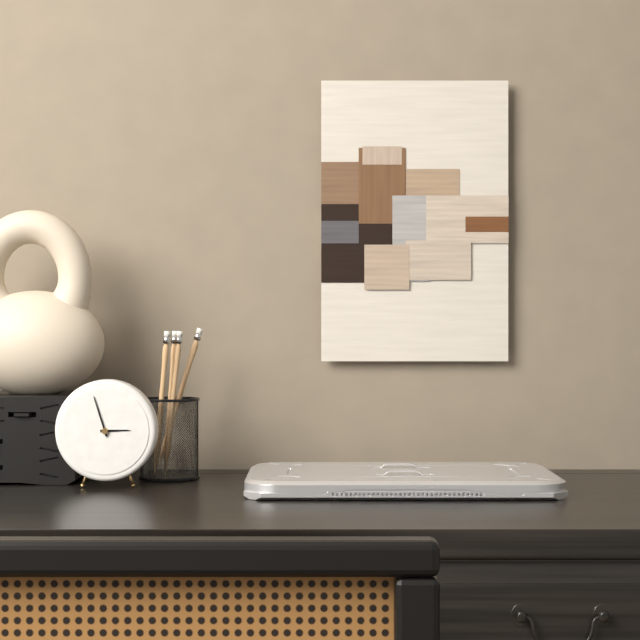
2:57
